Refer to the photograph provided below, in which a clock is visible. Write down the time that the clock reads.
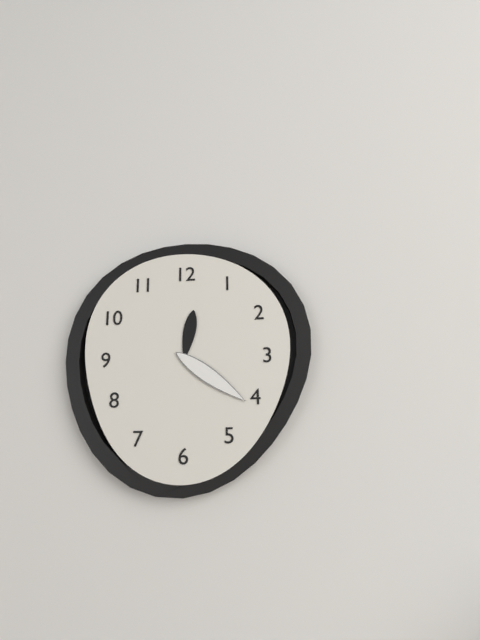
12:21
